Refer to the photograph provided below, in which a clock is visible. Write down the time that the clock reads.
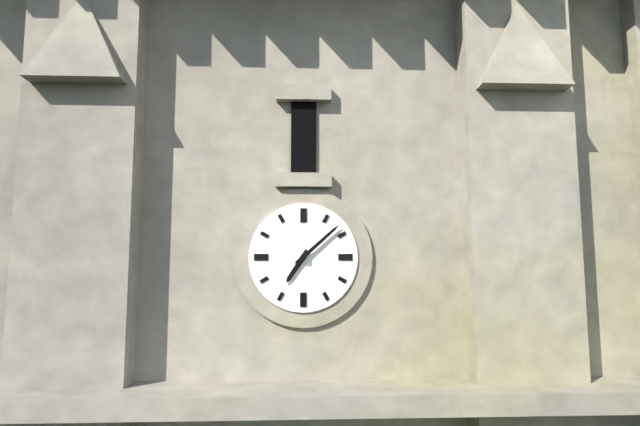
7:08
